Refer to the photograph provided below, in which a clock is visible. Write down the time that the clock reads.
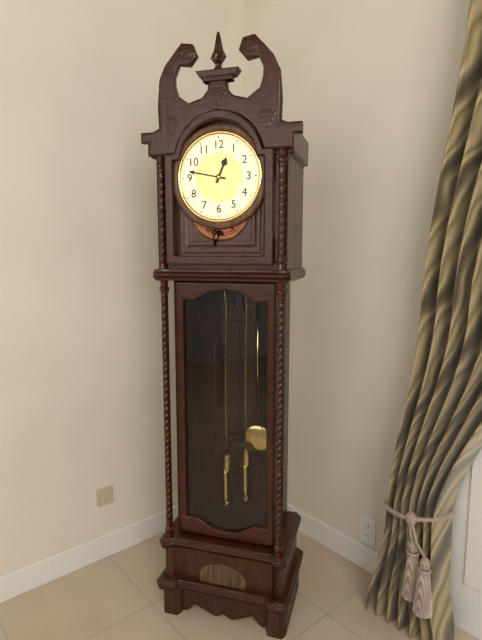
12:47
